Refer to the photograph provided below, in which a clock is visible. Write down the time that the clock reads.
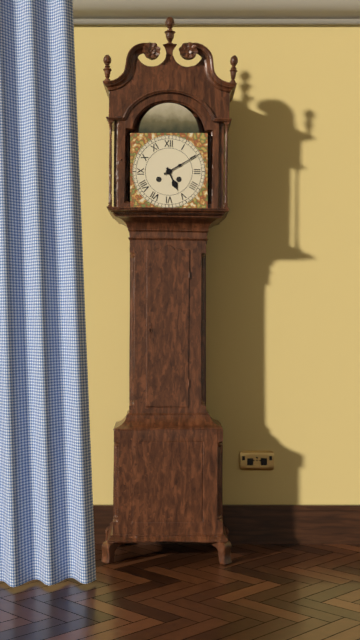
5:10
